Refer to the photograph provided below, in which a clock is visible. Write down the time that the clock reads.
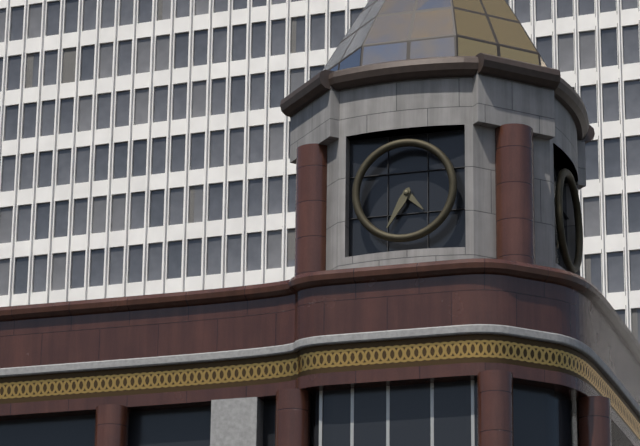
4:35
